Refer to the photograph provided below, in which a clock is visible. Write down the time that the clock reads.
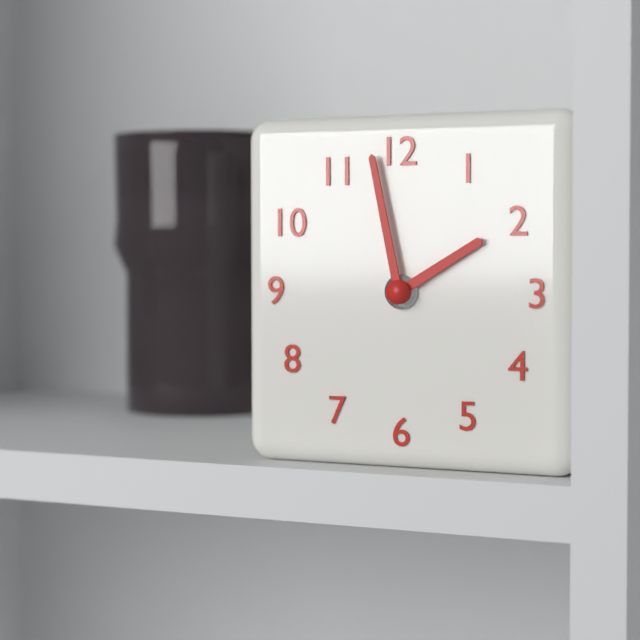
1:58
